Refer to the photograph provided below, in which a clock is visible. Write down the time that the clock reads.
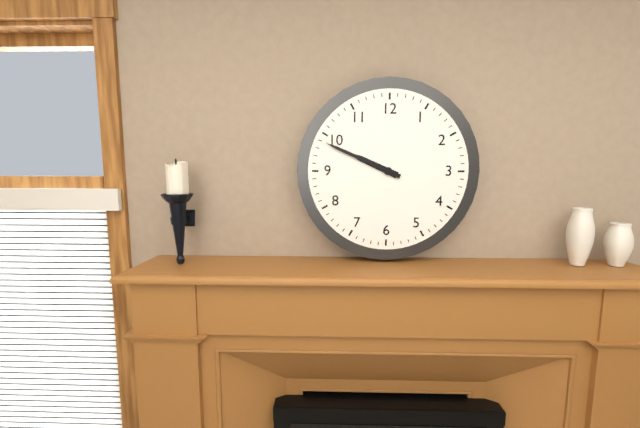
9:49
